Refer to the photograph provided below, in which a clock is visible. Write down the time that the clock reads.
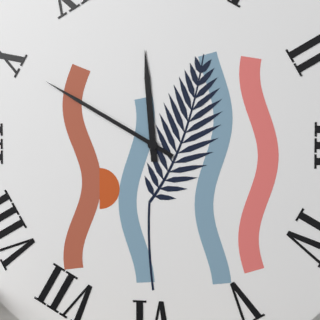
11:50
